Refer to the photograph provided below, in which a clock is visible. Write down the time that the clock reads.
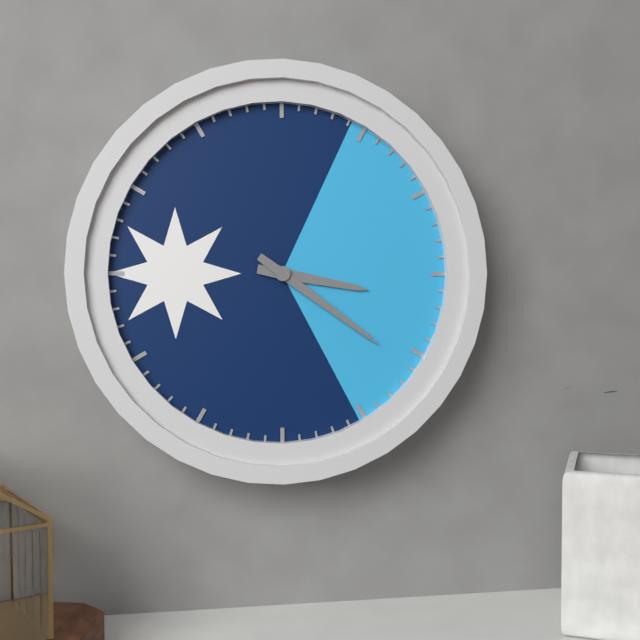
3:21
